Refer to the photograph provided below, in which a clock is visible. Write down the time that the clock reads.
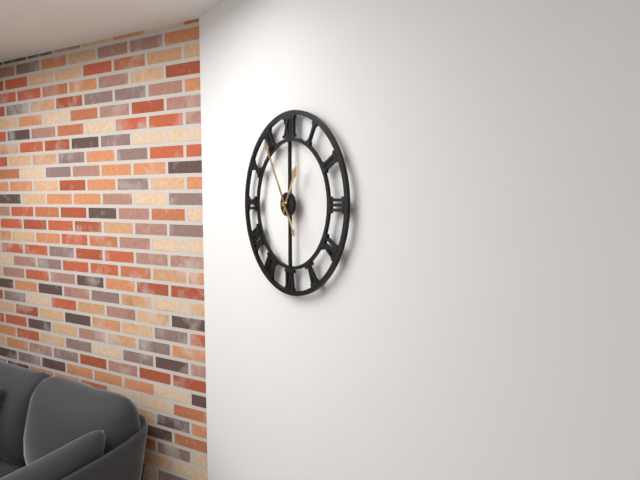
12:55
